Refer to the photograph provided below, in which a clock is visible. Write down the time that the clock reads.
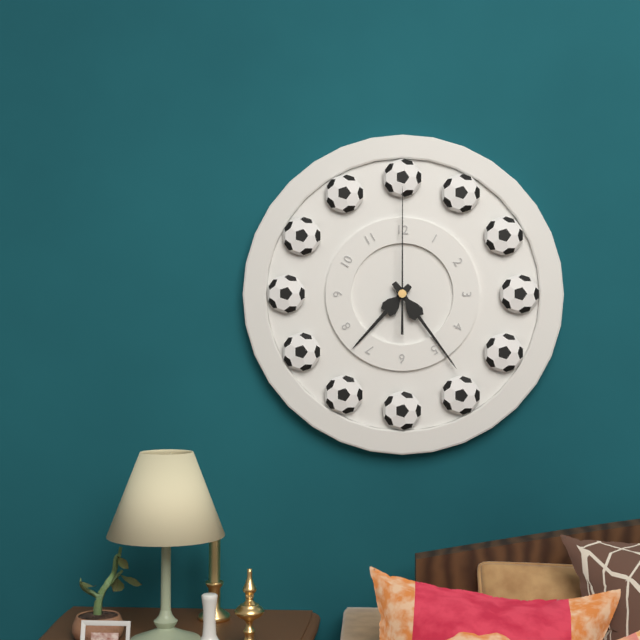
7:24:00
